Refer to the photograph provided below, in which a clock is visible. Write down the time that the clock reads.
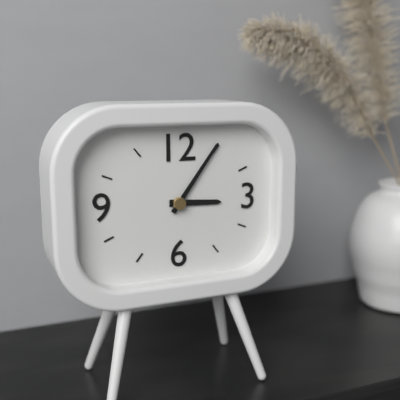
3:06
